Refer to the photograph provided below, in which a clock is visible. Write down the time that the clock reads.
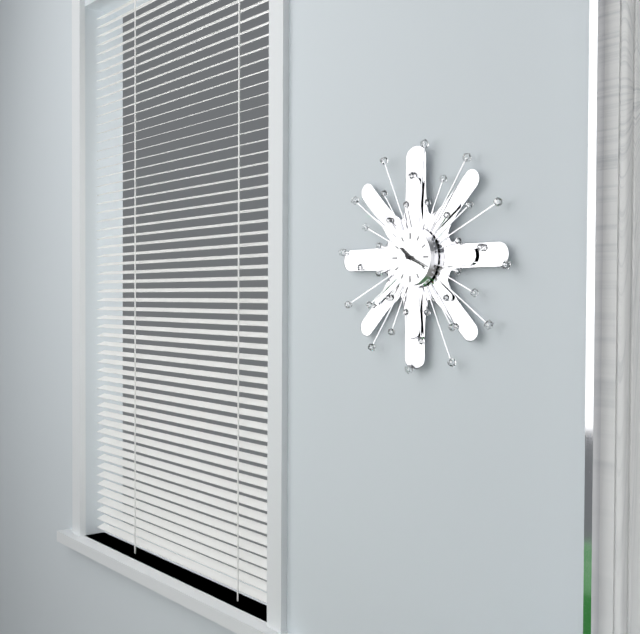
10:19
